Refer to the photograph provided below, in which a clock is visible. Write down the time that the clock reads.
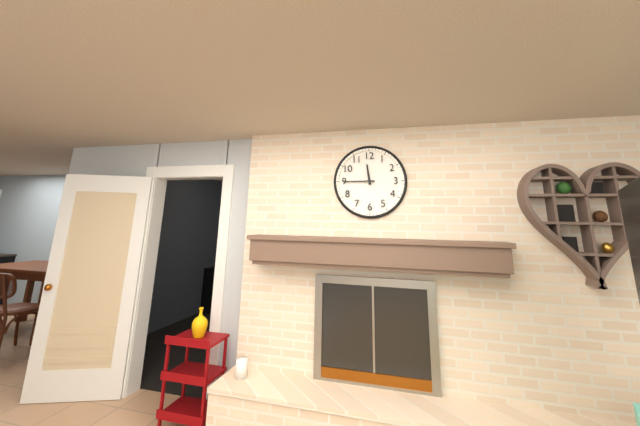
11:45
